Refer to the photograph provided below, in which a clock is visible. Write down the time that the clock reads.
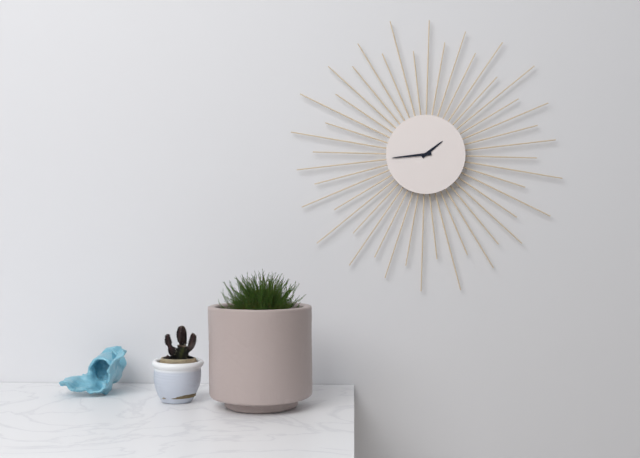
1:44
